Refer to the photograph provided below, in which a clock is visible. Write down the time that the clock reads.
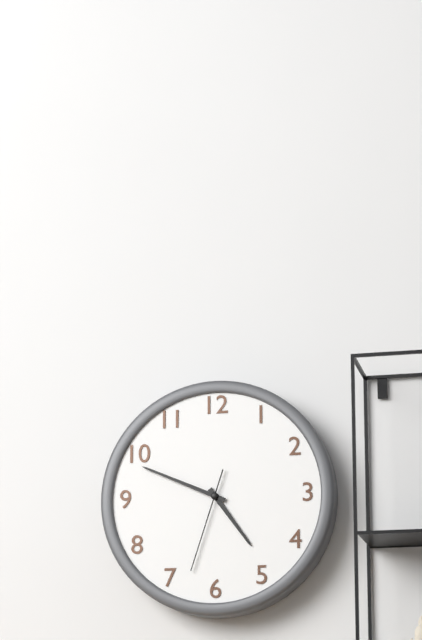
4:49:33
